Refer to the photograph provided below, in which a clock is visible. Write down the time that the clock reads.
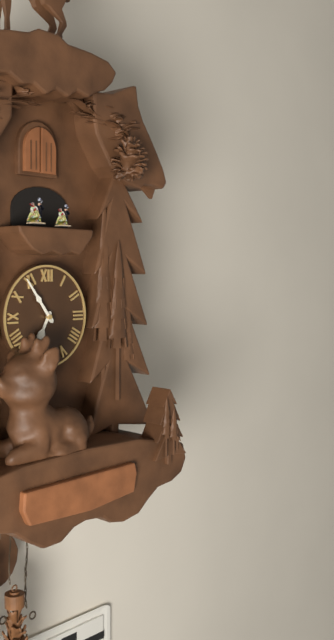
6:54
